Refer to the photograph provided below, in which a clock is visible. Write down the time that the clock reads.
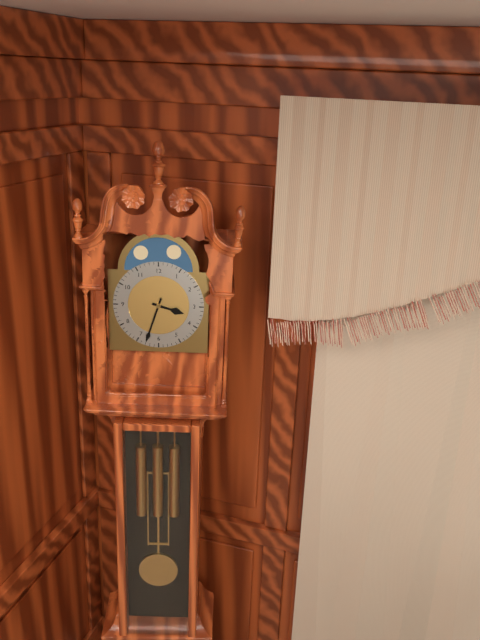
3:33
